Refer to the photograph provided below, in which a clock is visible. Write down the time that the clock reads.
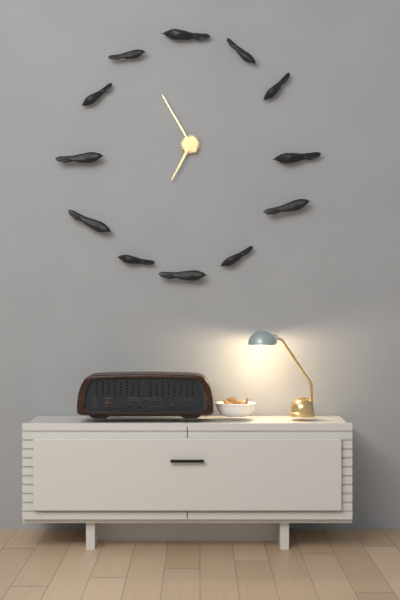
6:55
